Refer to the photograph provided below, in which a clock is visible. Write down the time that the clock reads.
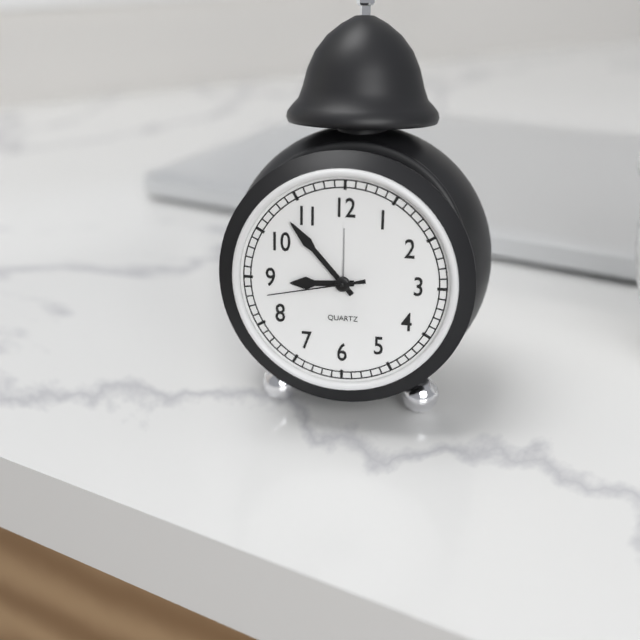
8:53:43
